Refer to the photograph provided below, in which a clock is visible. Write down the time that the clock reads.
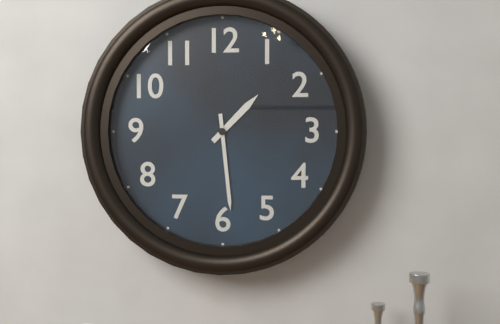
1:29
